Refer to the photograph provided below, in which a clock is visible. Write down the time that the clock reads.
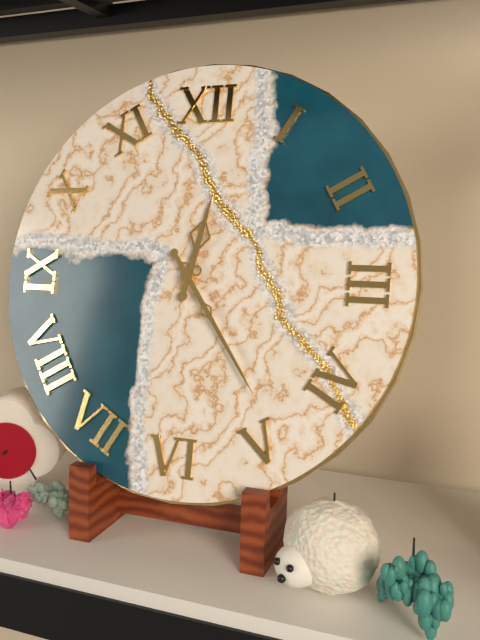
12:24
